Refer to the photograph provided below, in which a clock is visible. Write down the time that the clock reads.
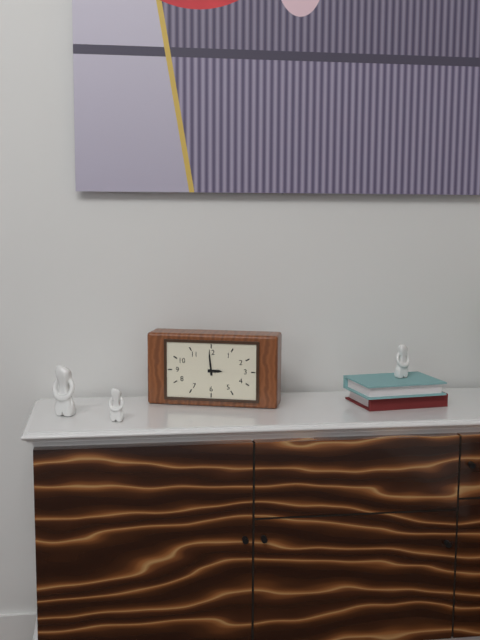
2:59
